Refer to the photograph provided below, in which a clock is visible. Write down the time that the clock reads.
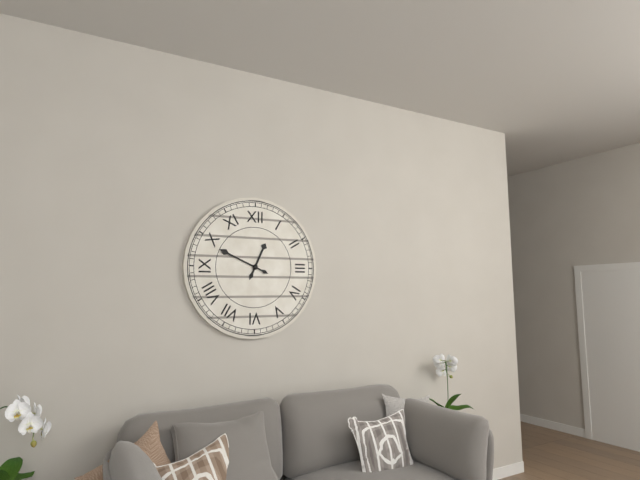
12:49
